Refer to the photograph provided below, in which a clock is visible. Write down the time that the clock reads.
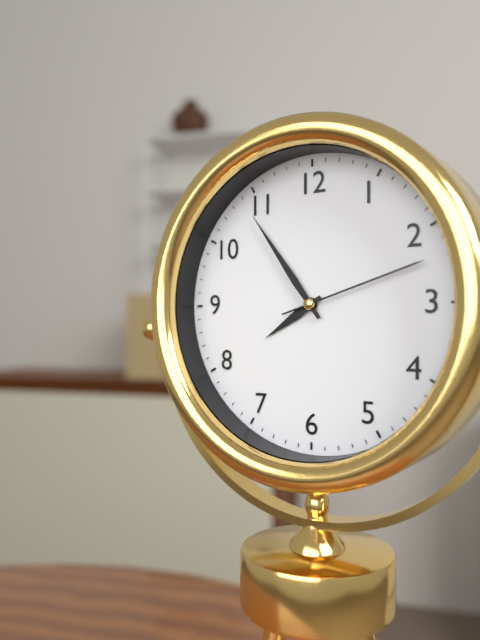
7:54:12
